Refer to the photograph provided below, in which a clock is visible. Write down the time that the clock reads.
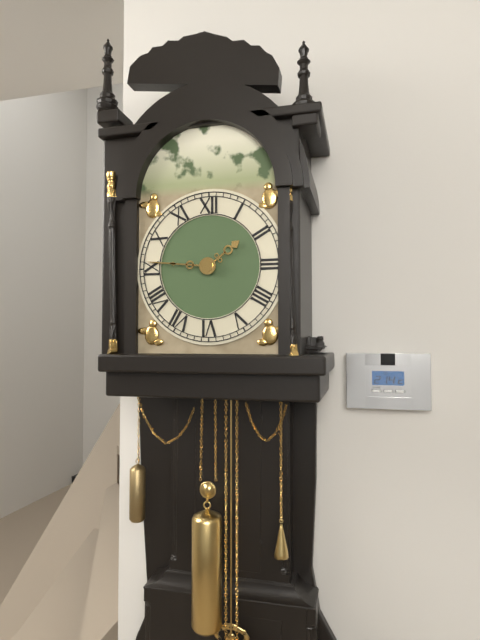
1:46
